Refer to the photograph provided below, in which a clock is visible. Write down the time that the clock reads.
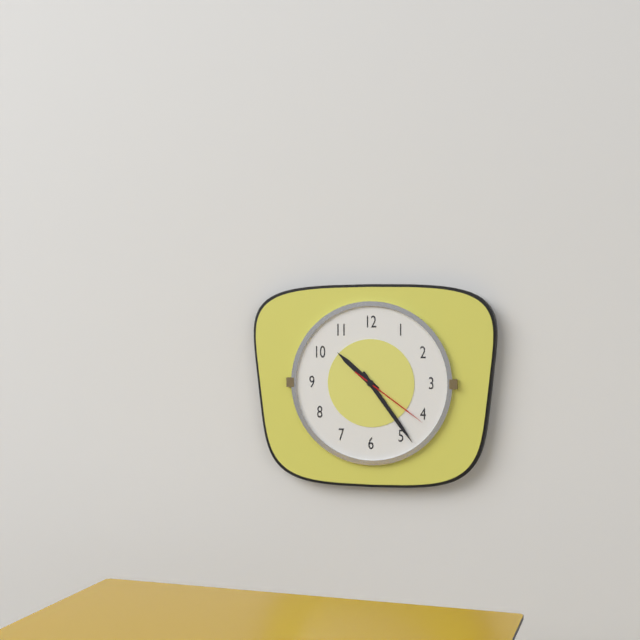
10:24:21
